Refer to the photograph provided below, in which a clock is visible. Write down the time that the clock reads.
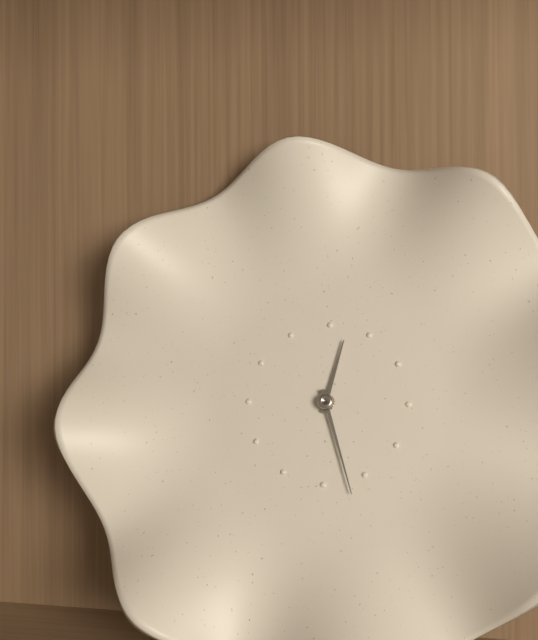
12:27
